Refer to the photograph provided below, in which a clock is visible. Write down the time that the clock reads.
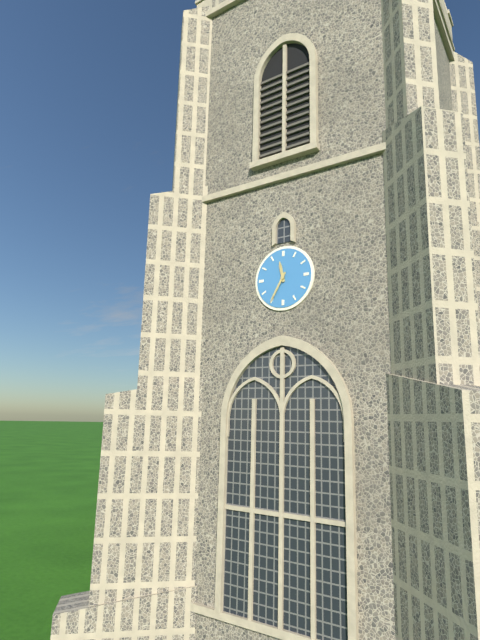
11:35
